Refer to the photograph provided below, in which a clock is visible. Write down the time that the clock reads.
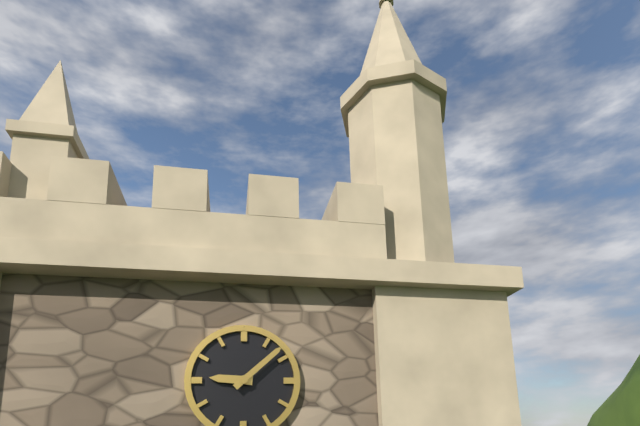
9:08
